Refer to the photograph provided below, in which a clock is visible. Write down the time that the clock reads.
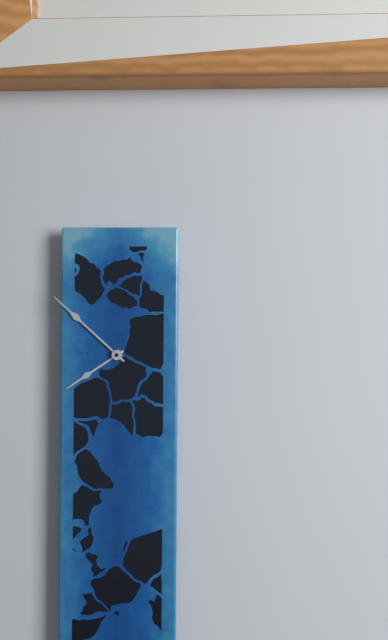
7:52
